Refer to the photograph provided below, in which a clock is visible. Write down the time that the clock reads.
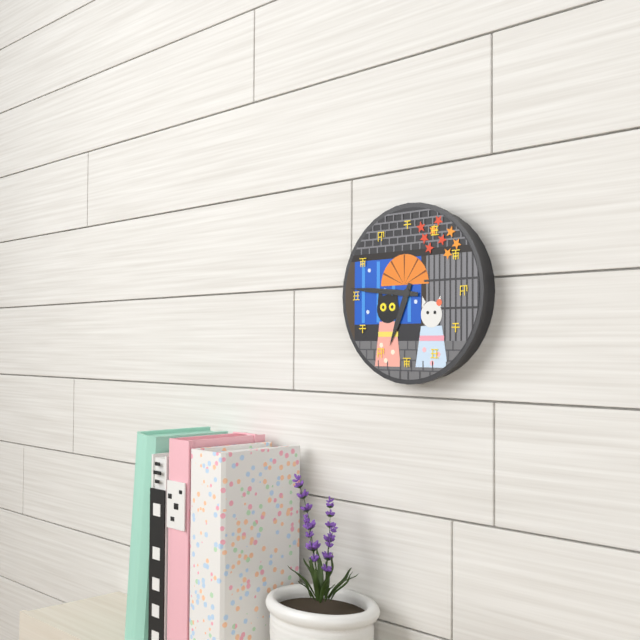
6:46
